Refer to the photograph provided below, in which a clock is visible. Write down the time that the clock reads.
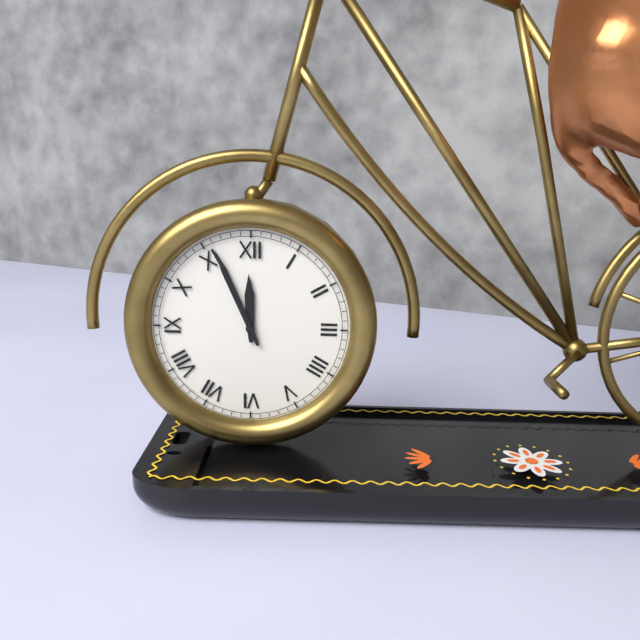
11:56
